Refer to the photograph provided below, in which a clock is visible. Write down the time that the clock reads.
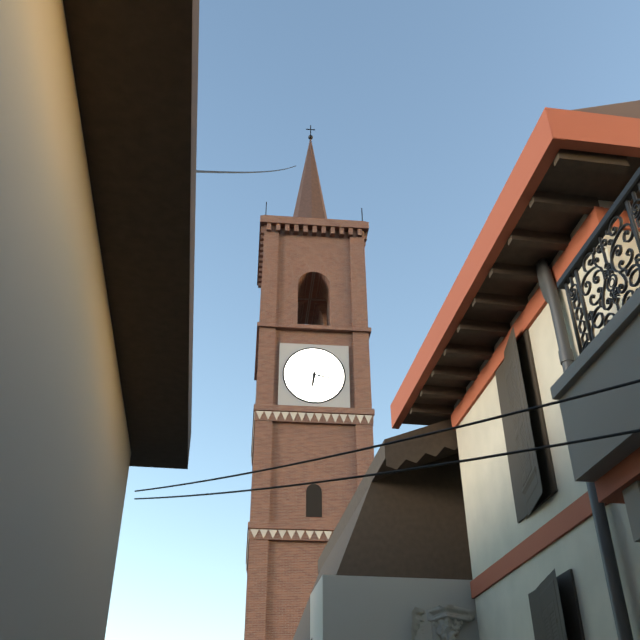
6:17
